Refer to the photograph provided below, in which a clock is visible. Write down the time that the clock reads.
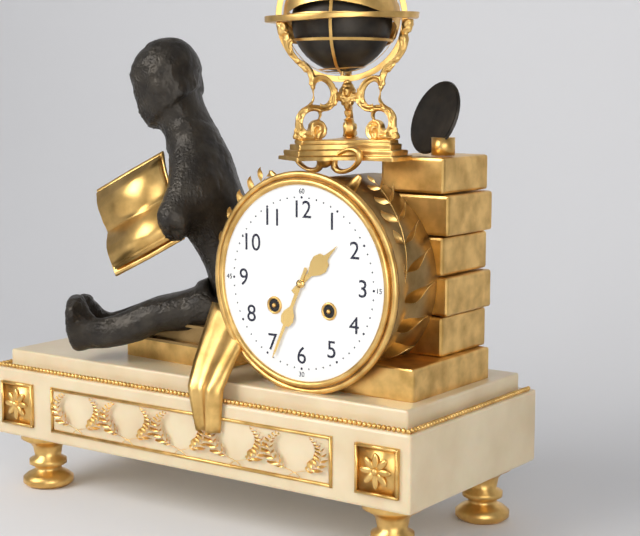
1:34
